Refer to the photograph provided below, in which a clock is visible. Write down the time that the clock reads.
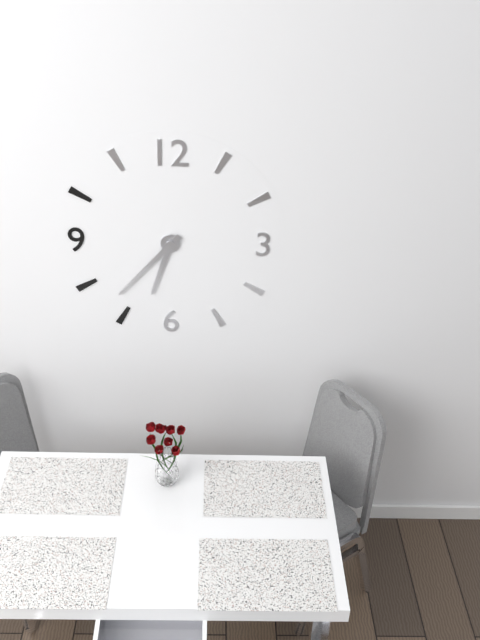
6:37
